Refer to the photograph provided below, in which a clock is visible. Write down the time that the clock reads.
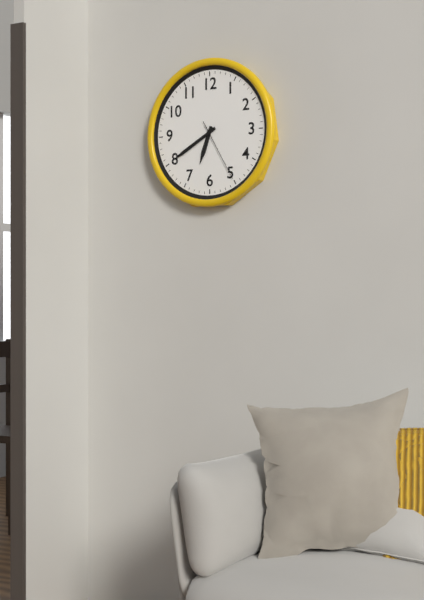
6:40:25
